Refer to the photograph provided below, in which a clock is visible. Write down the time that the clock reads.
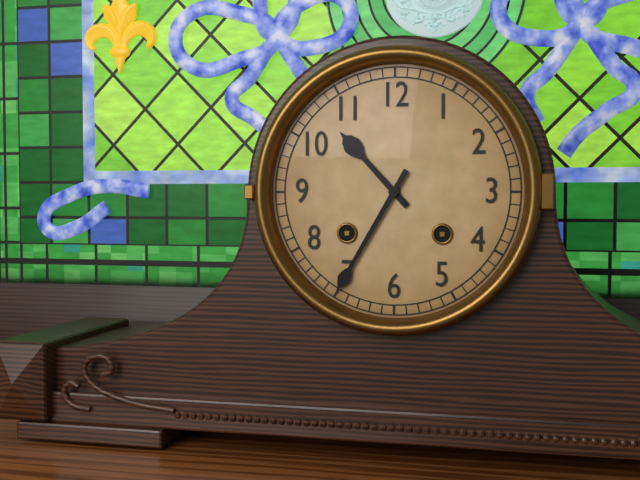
10:35
